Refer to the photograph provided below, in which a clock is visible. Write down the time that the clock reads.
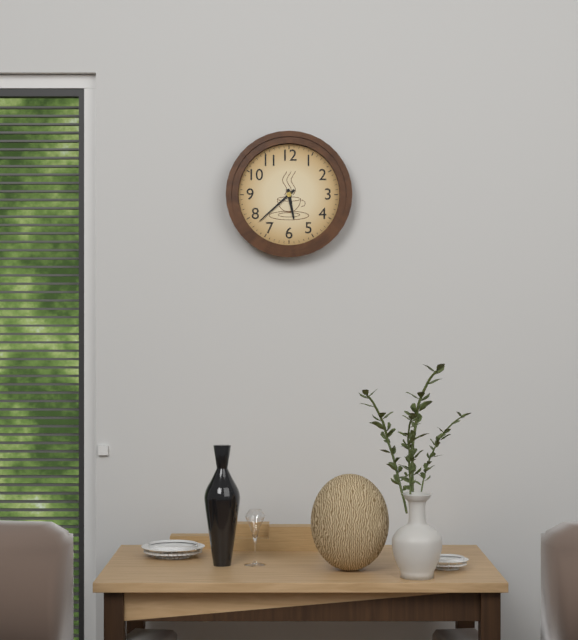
5:38
